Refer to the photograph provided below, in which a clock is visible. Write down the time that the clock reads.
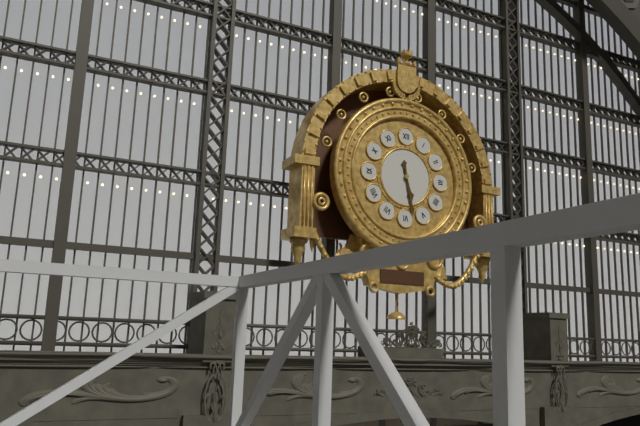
5:28
